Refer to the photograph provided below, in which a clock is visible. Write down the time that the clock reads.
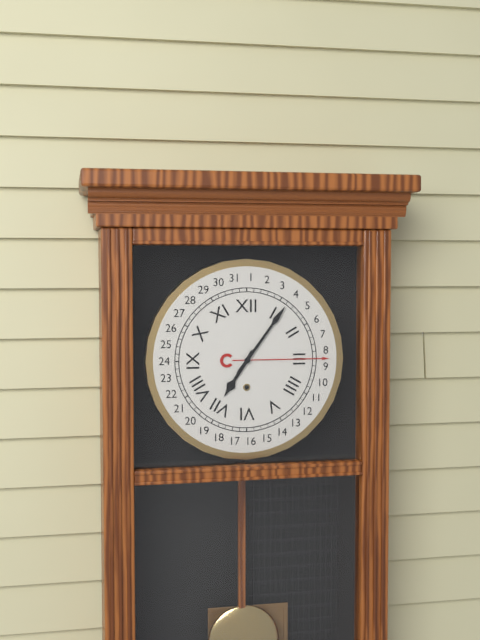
7:06
